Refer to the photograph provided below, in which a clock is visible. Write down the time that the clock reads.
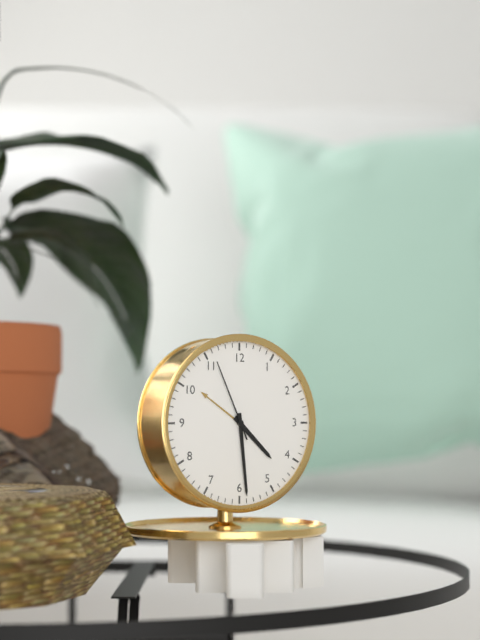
4:29:56
